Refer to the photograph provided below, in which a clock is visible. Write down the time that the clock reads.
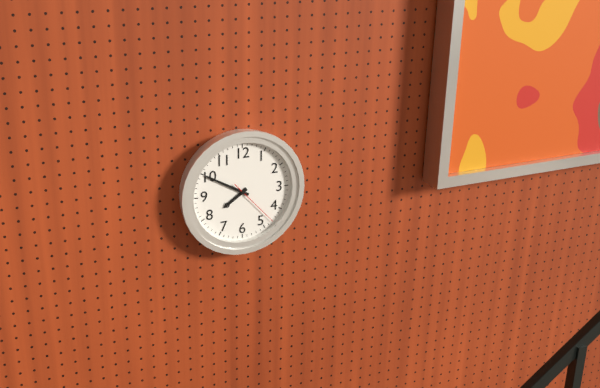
7:50:23
